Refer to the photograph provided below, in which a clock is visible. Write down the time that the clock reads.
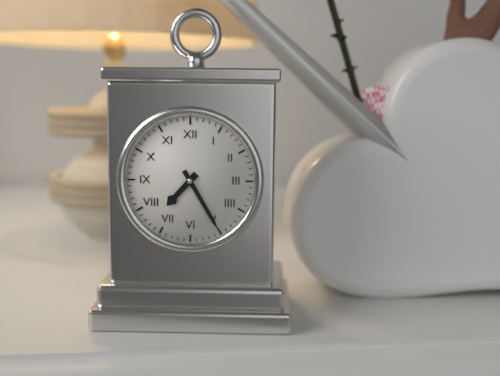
7:25
